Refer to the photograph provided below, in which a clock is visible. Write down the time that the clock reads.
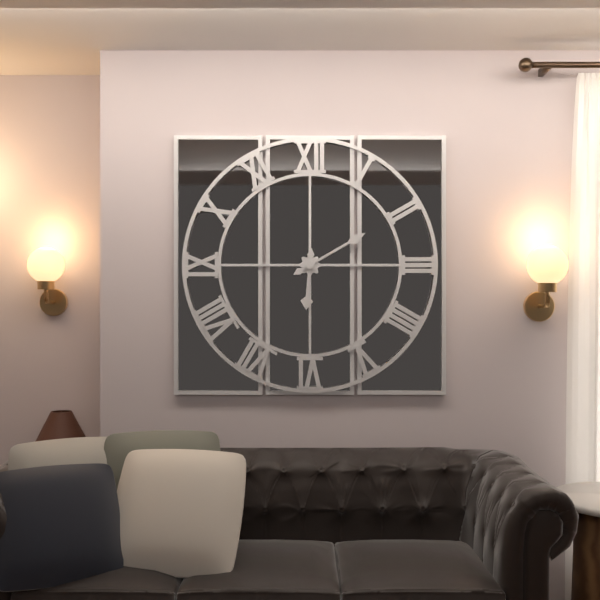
6:10
